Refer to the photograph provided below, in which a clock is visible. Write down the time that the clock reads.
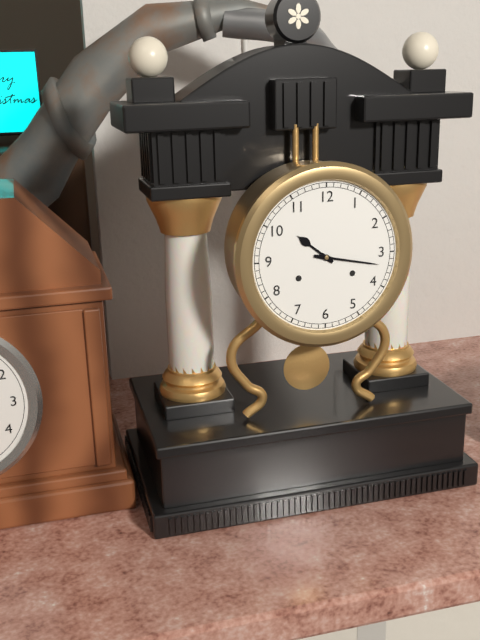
10:17
